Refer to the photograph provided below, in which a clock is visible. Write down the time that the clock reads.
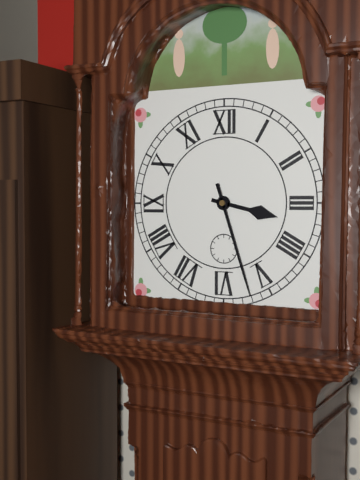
3:27
